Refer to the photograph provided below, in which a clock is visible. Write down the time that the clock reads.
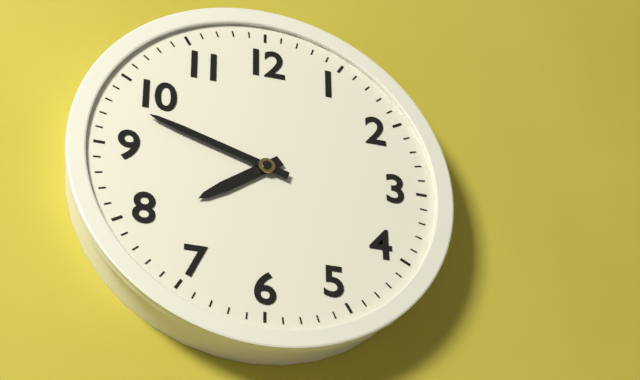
7:48
